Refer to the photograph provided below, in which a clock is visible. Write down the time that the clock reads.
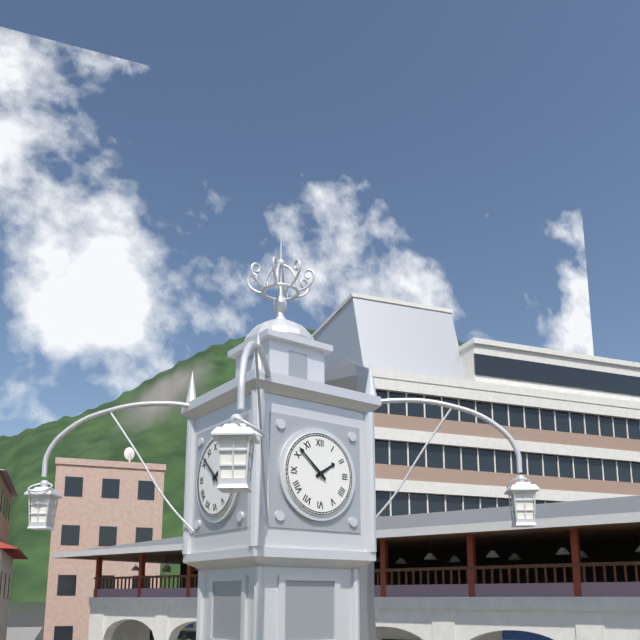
1:52
